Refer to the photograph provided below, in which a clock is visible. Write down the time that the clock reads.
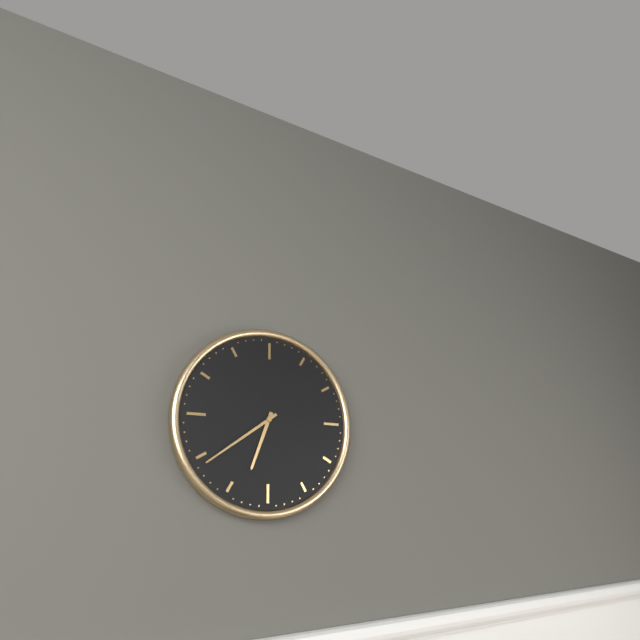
6:39
